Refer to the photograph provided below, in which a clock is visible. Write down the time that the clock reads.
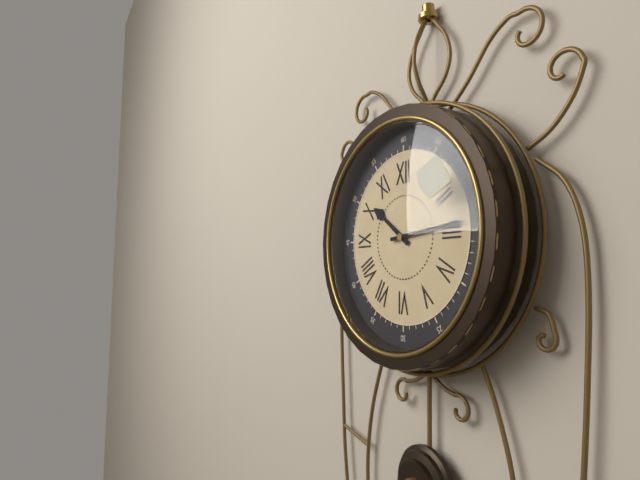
10:14
